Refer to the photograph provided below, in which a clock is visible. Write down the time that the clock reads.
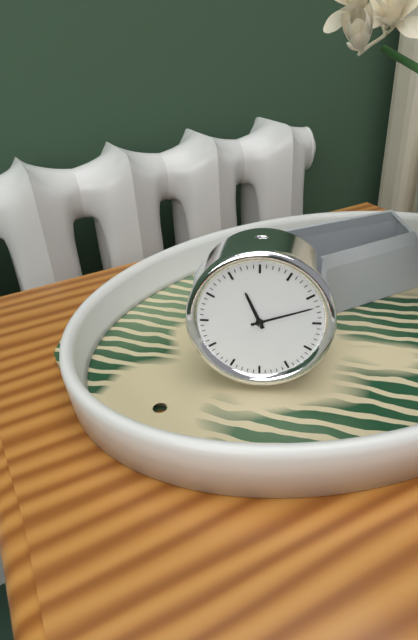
11:12
